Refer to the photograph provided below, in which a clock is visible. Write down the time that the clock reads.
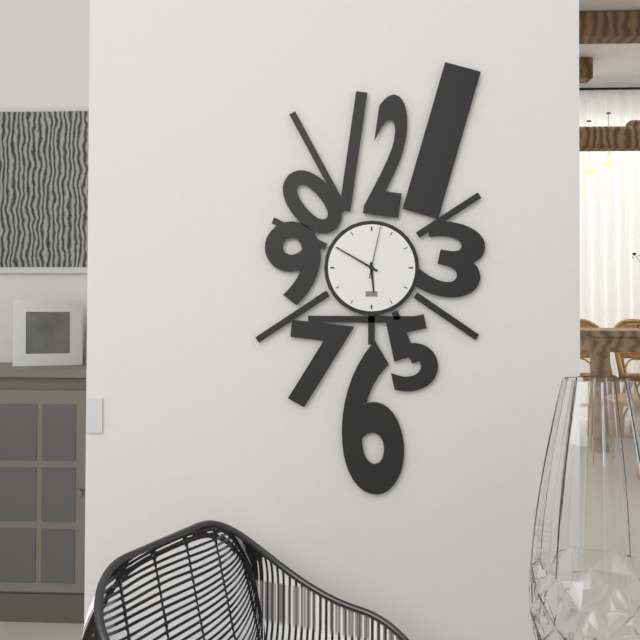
5:50:02
